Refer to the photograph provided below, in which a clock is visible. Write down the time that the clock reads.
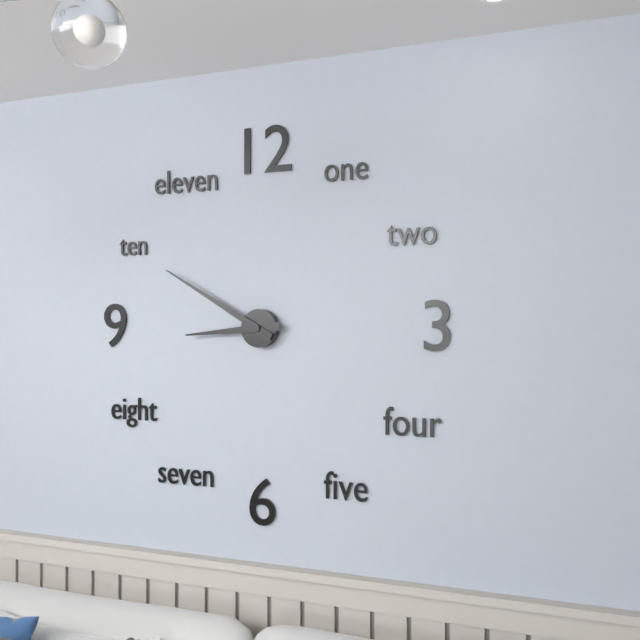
8:50
